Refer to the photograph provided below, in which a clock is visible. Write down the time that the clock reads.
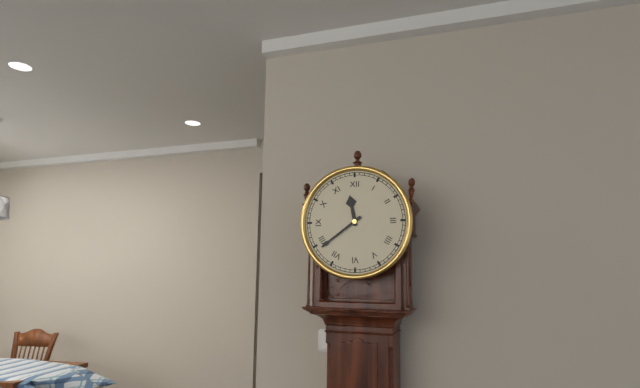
11:39
